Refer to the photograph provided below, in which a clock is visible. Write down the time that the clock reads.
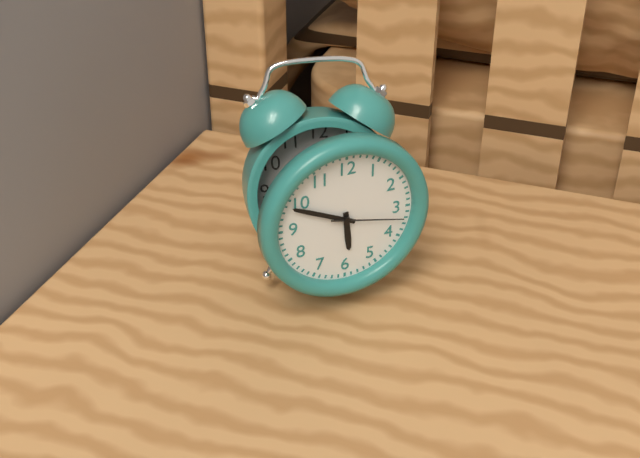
5:49:17
